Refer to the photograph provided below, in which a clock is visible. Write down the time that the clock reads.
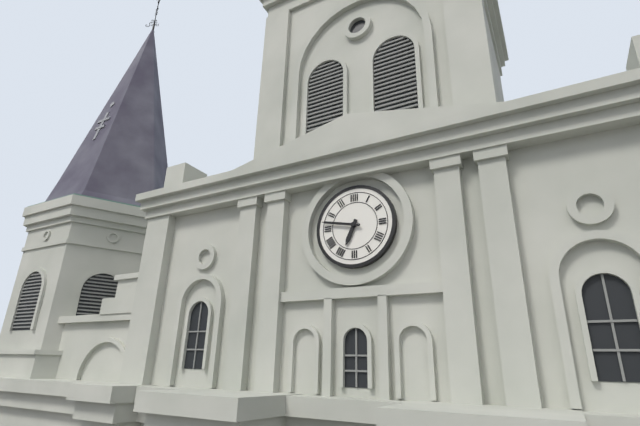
6:47
